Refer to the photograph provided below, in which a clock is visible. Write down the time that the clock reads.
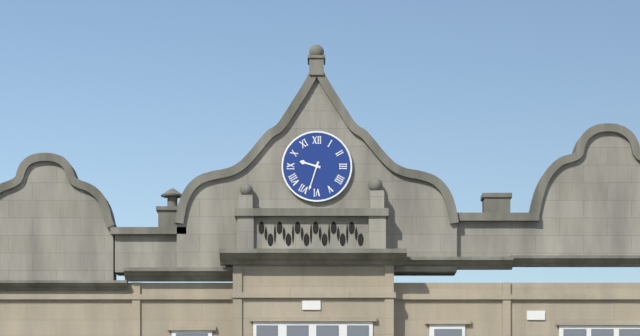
9:33
